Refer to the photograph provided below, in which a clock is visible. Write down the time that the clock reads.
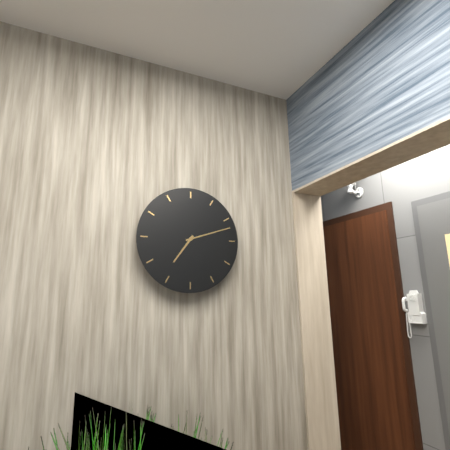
7:12
